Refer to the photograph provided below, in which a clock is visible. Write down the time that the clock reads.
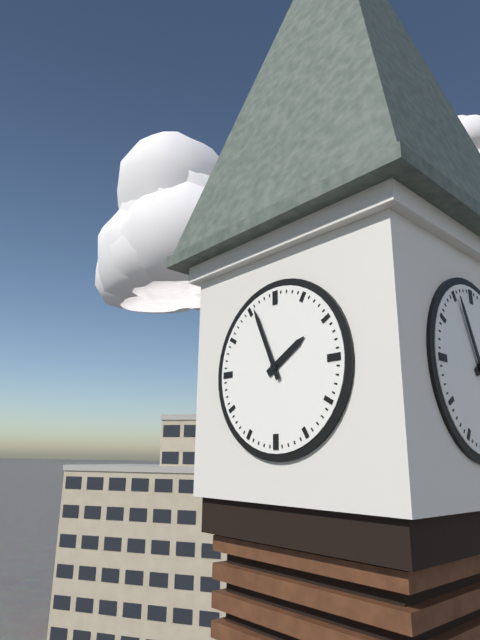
1:56
